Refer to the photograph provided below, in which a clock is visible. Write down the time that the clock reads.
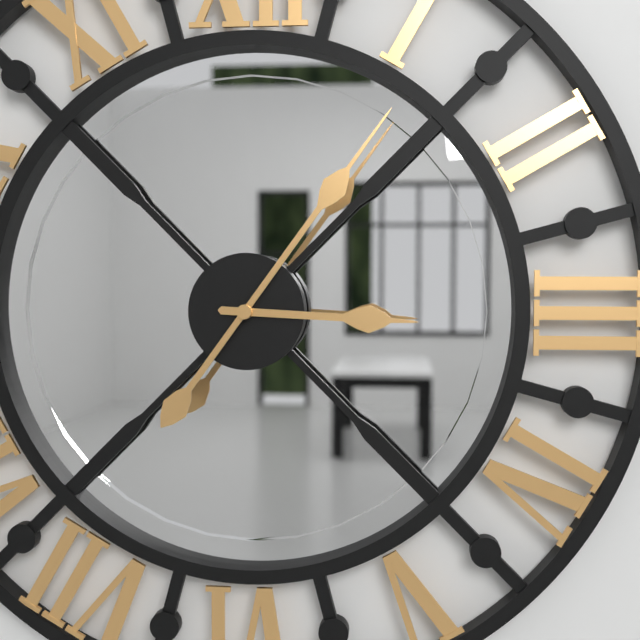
3:06
